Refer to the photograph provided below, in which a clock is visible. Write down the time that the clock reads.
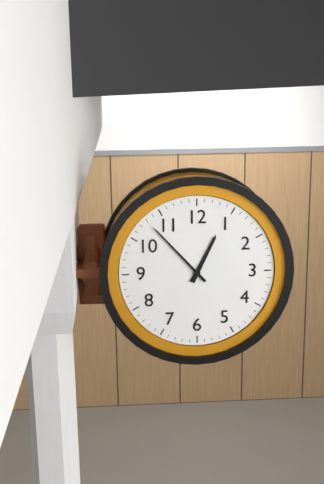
12:53
